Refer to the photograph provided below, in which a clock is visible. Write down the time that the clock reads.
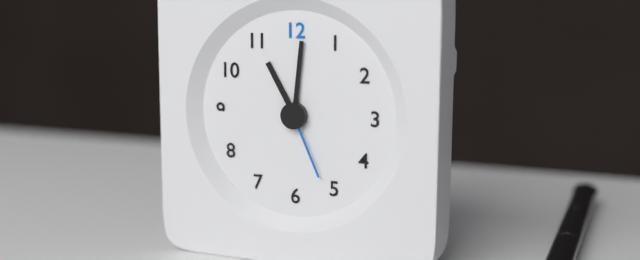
11:01:26
